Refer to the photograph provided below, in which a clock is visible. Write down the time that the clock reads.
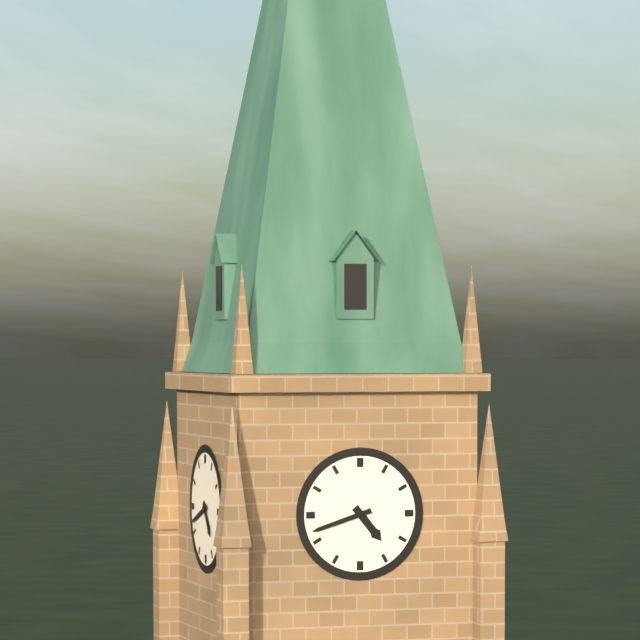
4:42
